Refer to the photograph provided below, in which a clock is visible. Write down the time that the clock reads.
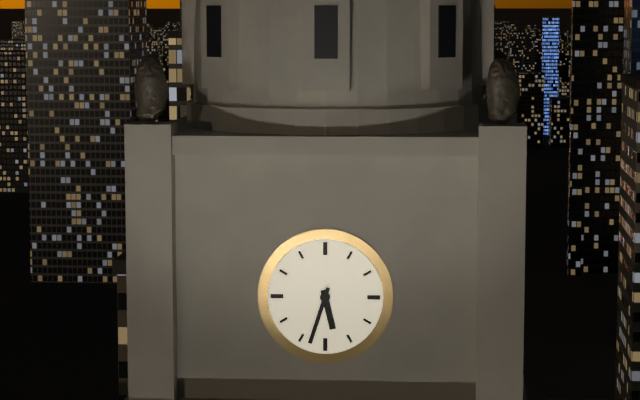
5:33
